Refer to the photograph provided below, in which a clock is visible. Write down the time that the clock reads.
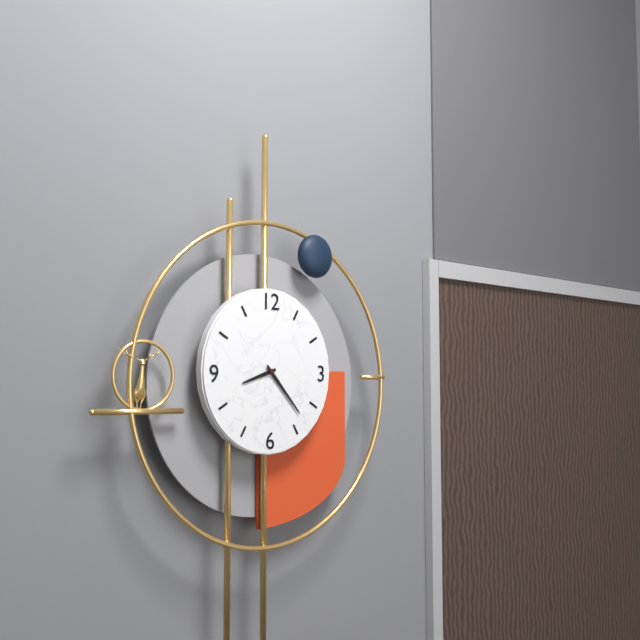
8:23
